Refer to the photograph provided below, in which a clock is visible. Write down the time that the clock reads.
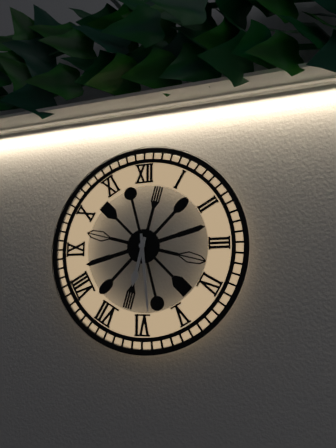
6:29
